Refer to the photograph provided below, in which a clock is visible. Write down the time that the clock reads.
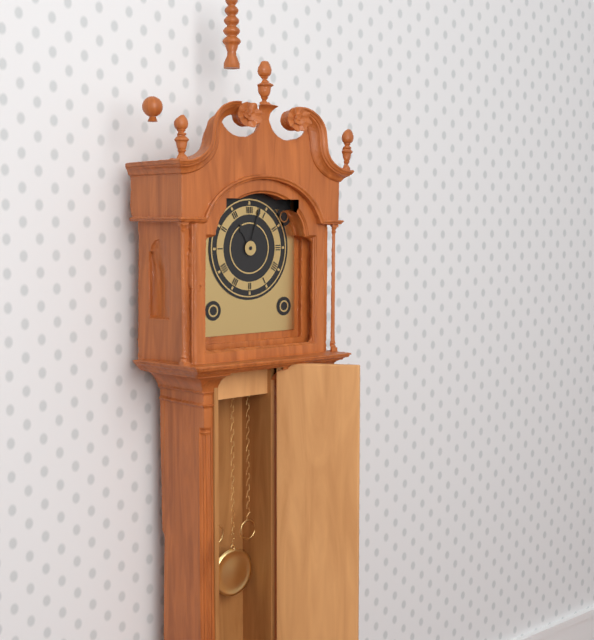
11:03
